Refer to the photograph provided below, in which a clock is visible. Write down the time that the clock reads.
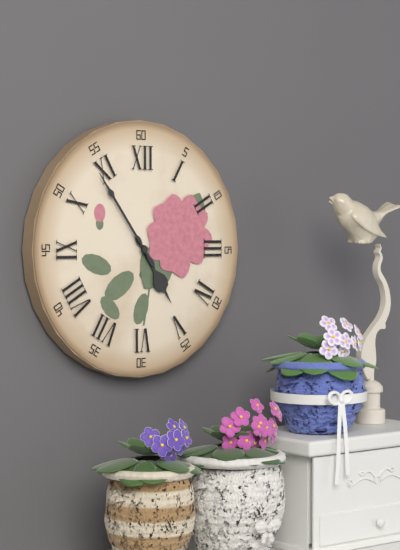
4:54
